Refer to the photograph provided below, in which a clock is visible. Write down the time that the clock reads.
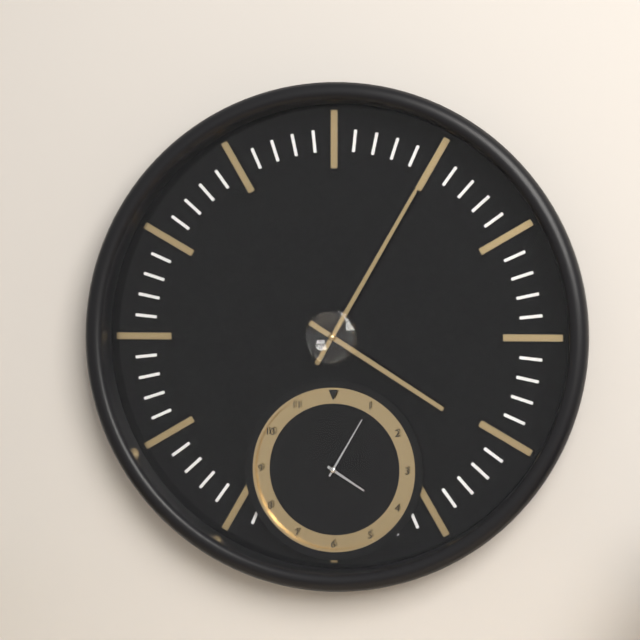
4:05
